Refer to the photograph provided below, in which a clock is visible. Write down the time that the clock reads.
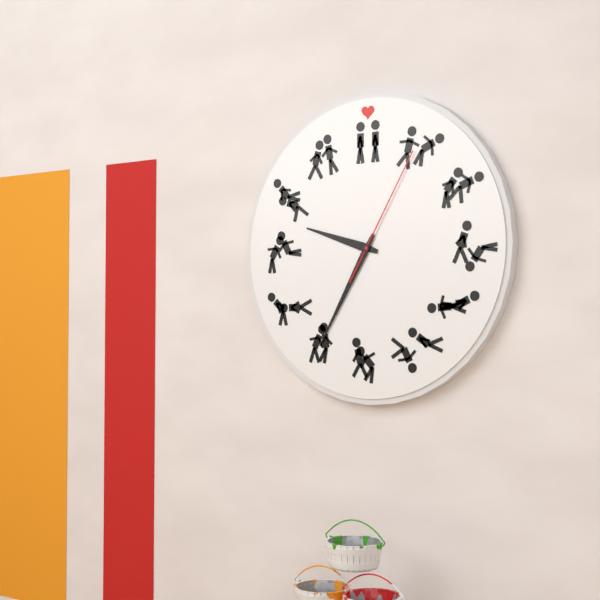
9:35:05
